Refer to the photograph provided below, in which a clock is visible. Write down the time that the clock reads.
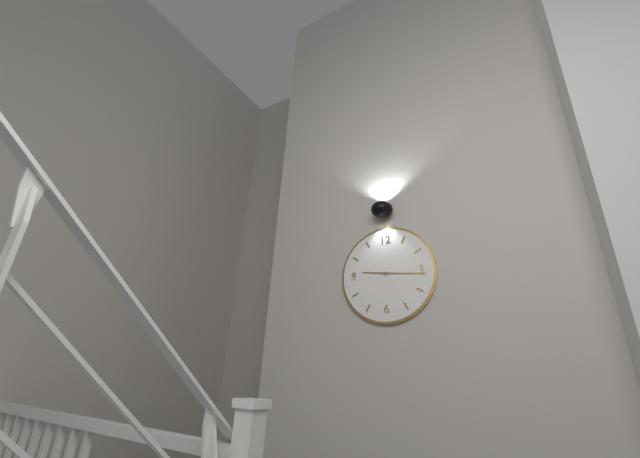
9:16
